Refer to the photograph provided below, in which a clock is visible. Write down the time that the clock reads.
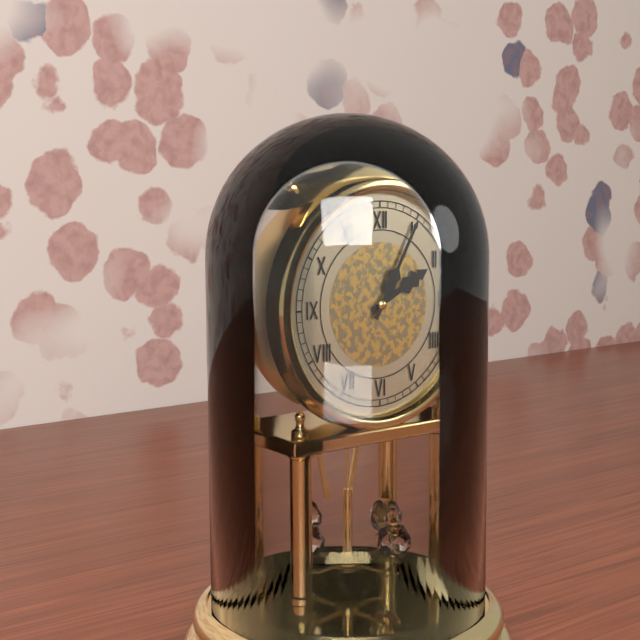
2:05
